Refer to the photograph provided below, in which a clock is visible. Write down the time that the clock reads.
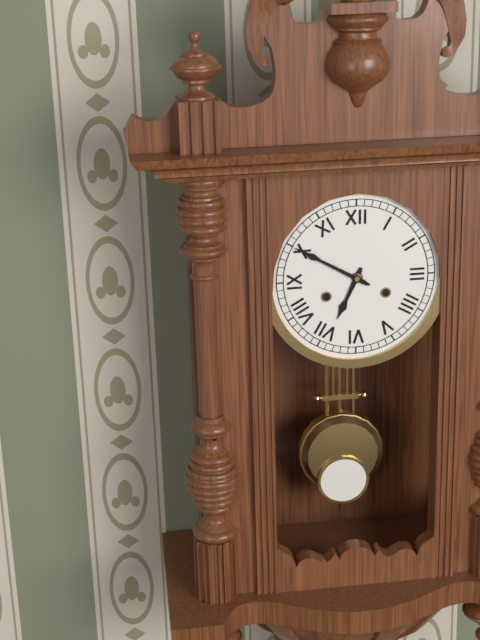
6:50
